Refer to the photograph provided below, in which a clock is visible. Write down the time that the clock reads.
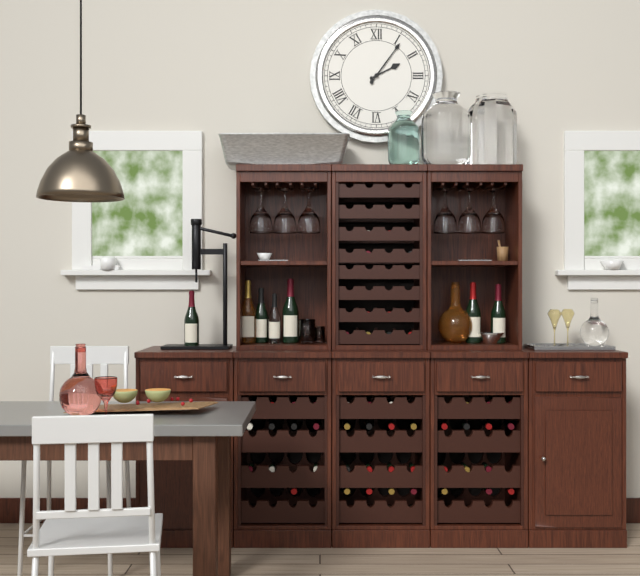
2:06
